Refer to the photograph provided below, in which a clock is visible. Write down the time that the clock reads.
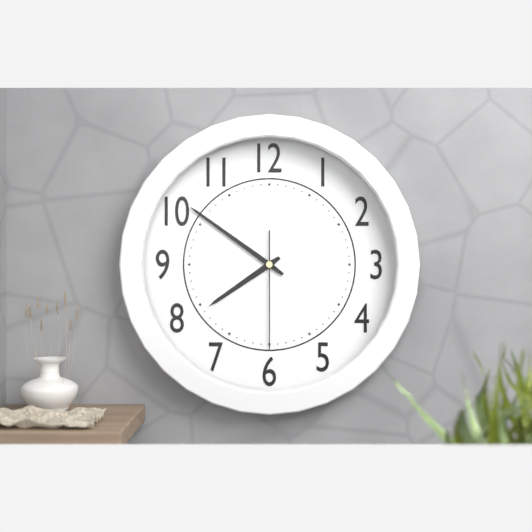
7:51:30
